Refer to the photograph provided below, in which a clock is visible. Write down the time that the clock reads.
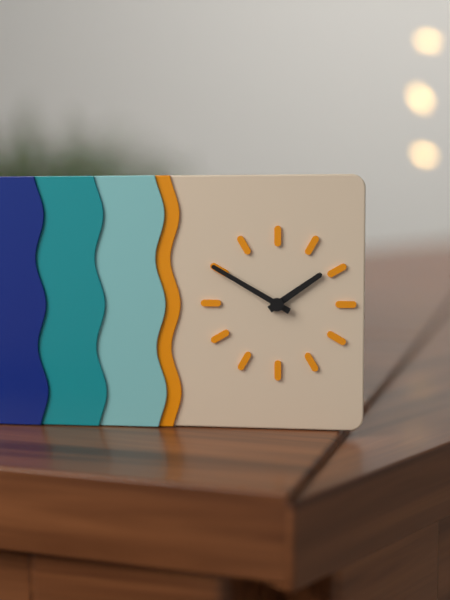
1:50
